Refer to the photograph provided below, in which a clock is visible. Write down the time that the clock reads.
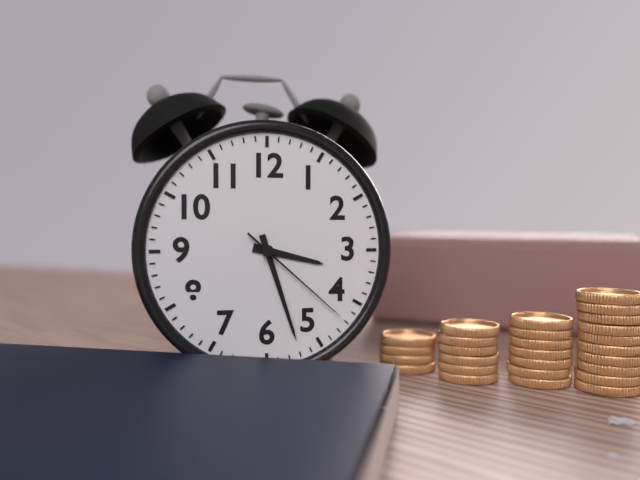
3:27:22
